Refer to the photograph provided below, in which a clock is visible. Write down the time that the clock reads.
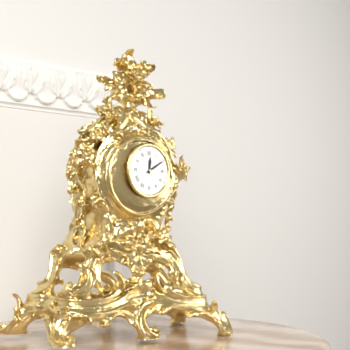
12:10
